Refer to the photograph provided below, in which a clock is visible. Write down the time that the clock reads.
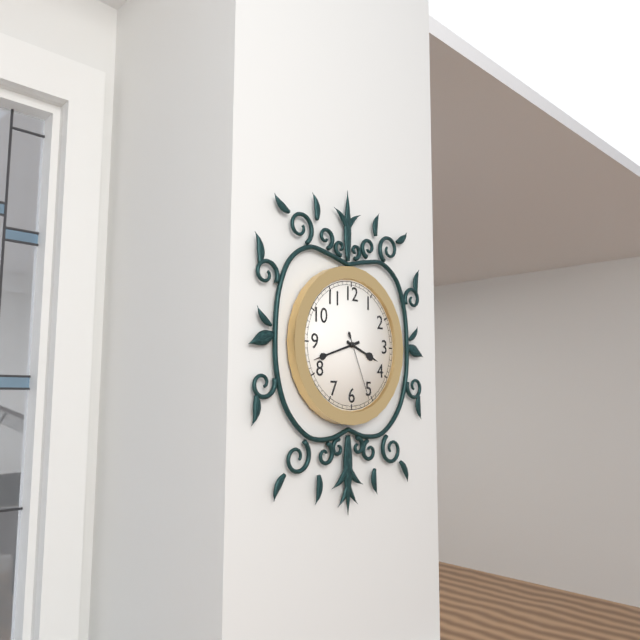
3:42:26
